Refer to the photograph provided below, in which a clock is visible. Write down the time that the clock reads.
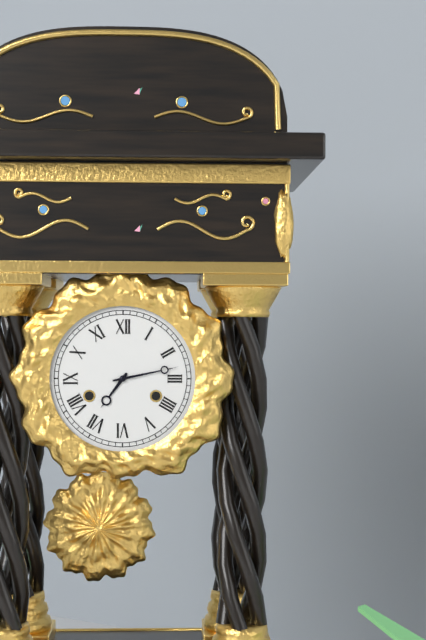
7:13
